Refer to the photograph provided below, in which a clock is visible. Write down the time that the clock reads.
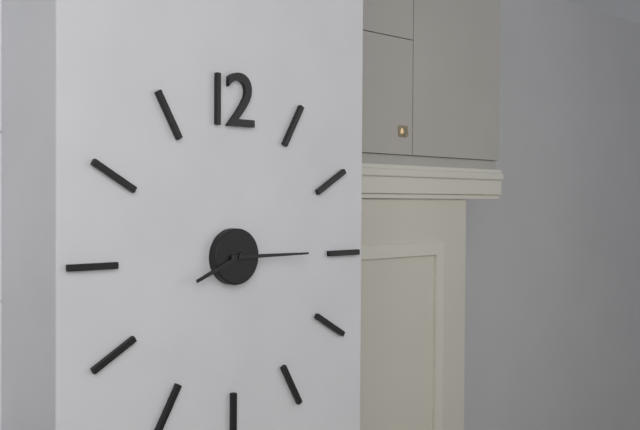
8:15
